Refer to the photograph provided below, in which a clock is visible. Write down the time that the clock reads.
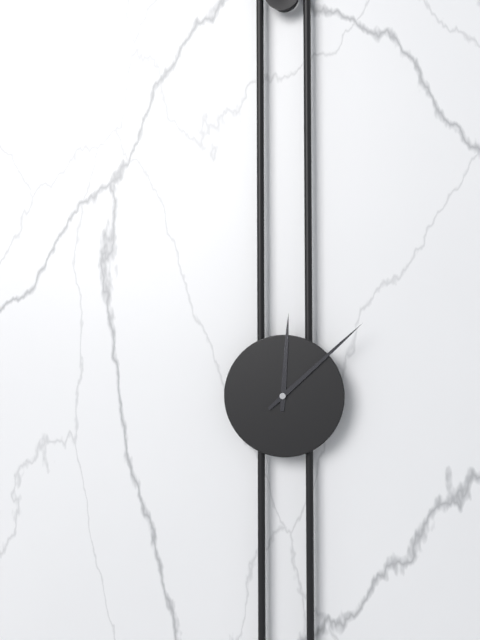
12:08
